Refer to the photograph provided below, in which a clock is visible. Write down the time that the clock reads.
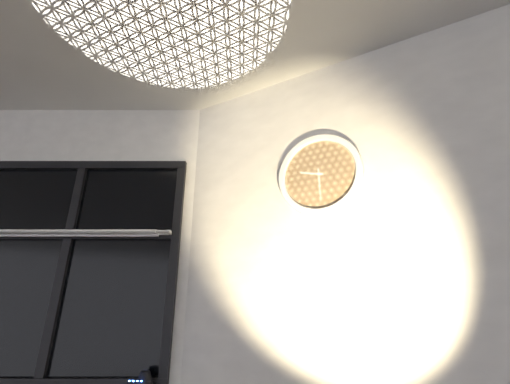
9:30
